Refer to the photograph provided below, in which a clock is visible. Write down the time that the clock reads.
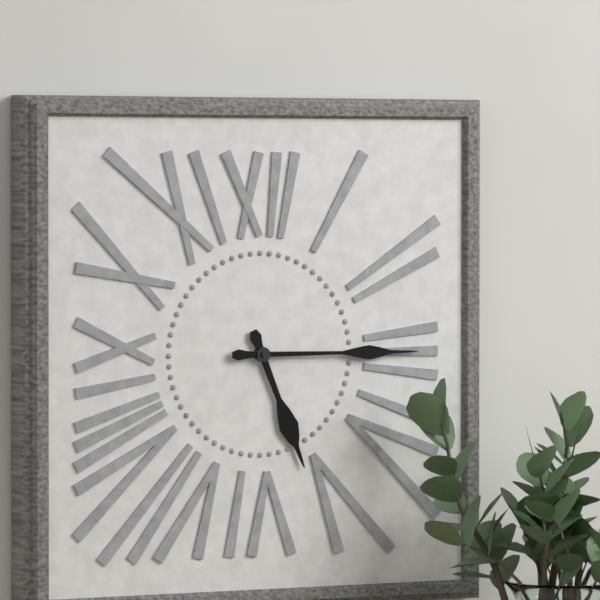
5:15
